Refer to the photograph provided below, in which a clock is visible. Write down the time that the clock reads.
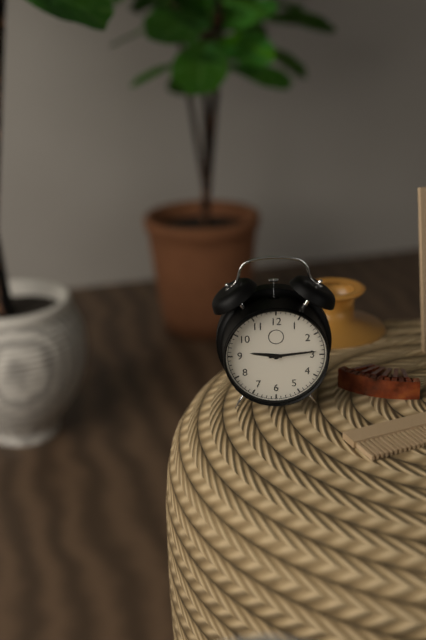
9:14
